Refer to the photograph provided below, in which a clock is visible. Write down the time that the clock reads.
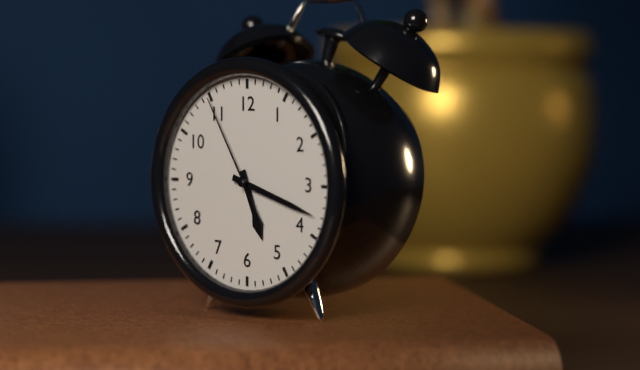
5:18:55
